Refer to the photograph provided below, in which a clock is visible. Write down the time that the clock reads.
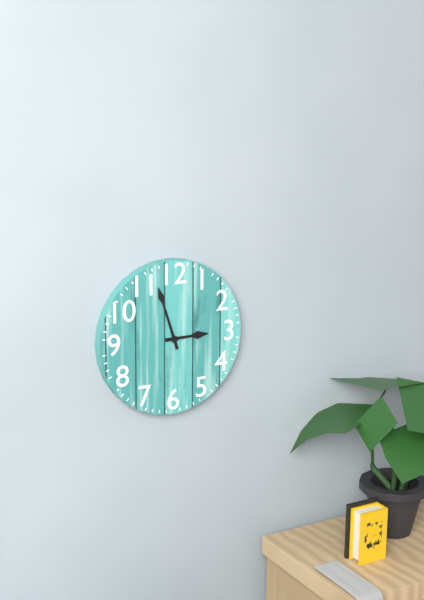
2:57
